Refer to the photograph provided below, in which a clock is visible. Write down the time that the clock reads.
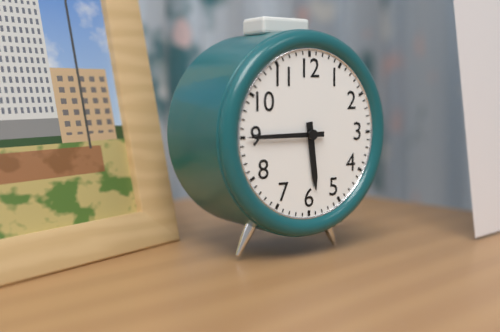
5:45
